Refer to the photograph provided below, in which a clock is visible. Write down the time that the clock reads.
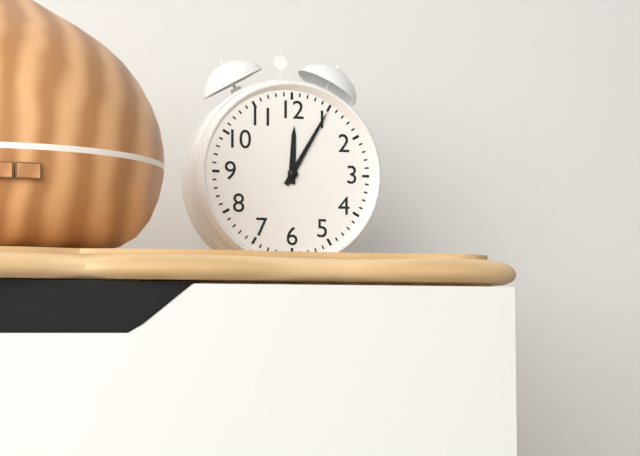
12:05
